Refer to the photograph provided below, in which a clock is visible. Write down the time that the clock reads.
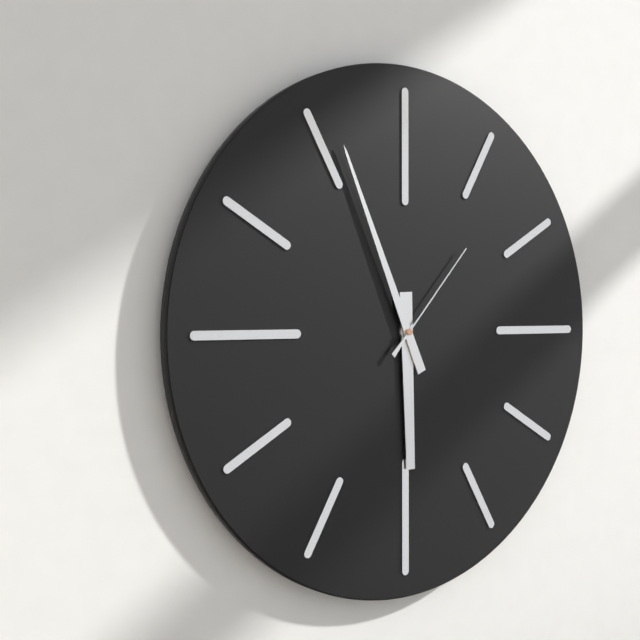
5:56:07
